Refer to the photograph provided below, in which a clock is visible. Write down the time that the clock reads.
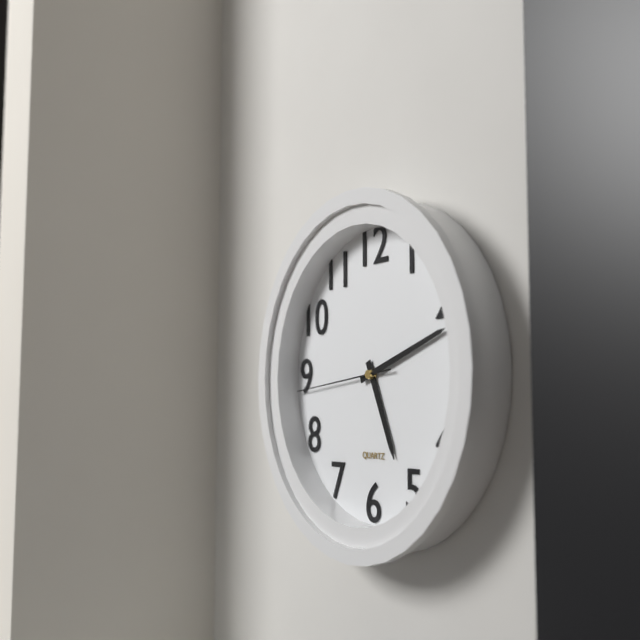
5:12:44
